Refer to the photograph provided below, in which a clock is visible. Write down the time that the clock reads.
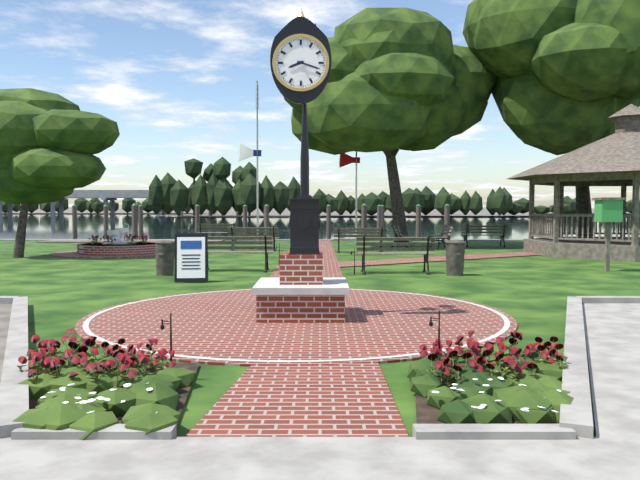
8:18
